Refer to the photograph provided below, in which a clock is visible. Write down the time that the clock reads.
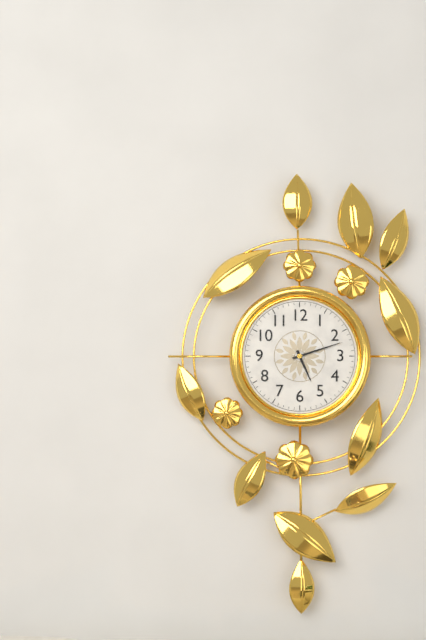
5:12
